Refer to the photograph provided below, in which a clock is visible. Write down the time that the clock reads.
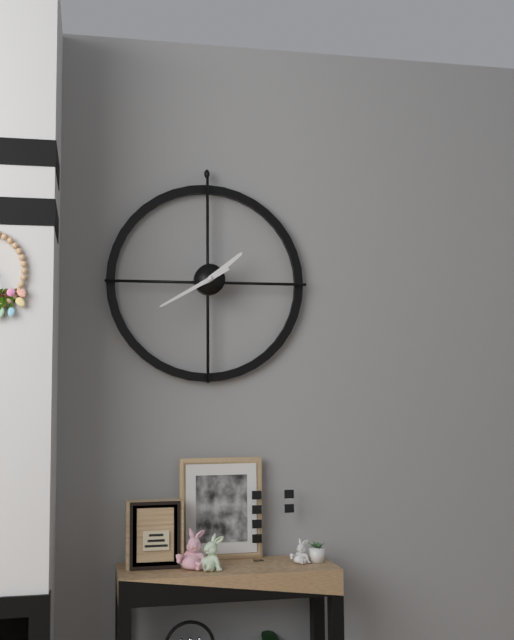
1:40
